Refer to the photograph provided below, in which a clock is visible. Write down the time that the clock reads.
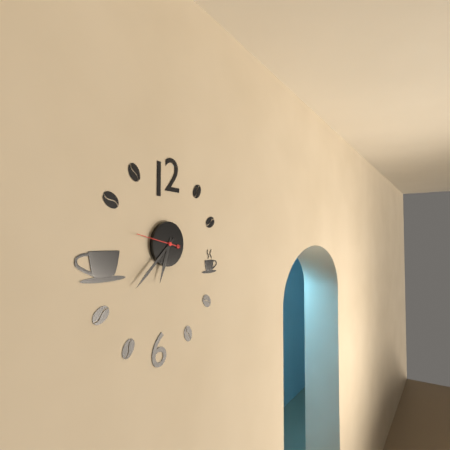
6:38
